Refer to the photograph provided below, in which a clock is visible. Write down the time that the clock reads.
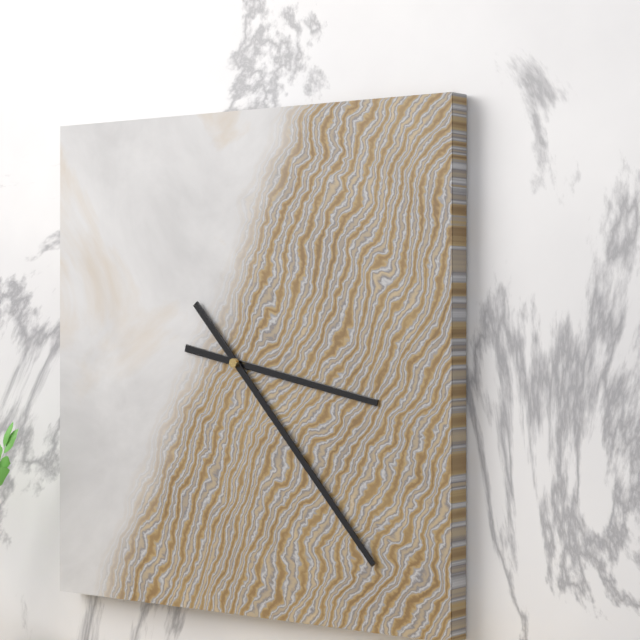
3:23
